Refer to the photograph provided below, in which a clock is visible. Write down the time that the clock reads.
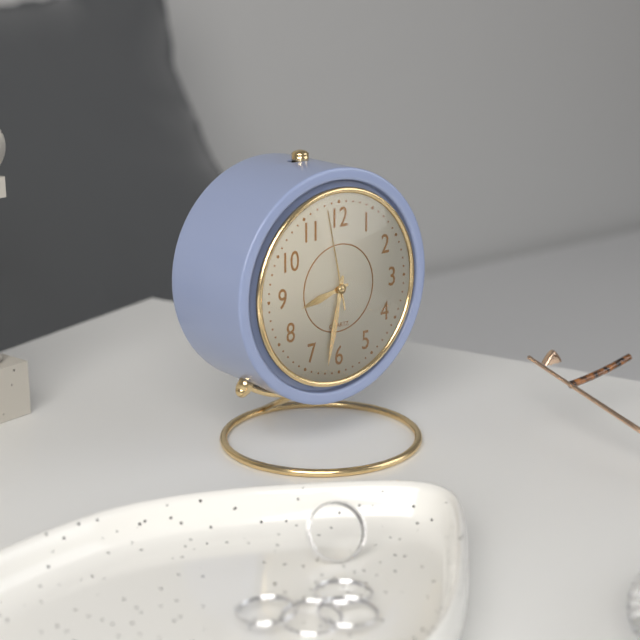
8:32:58
